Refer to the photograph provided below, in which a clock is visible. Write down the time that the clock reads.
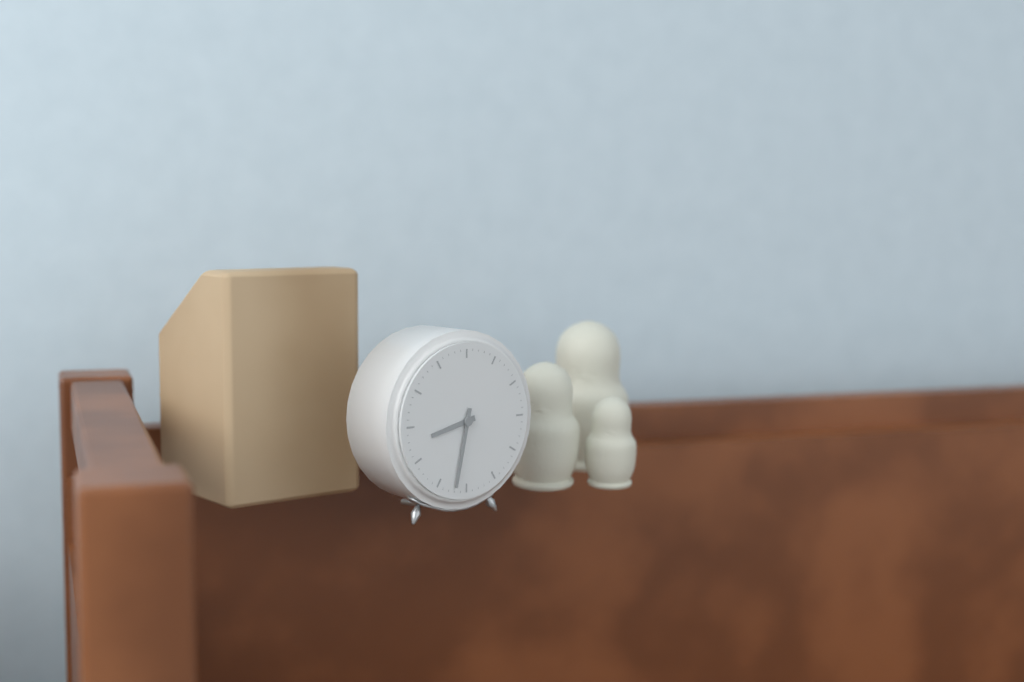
8:32
